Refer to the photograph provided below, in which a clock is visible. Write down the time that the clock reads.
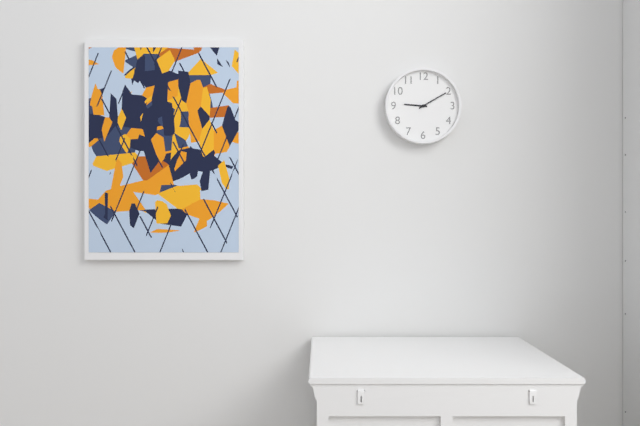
9:10
